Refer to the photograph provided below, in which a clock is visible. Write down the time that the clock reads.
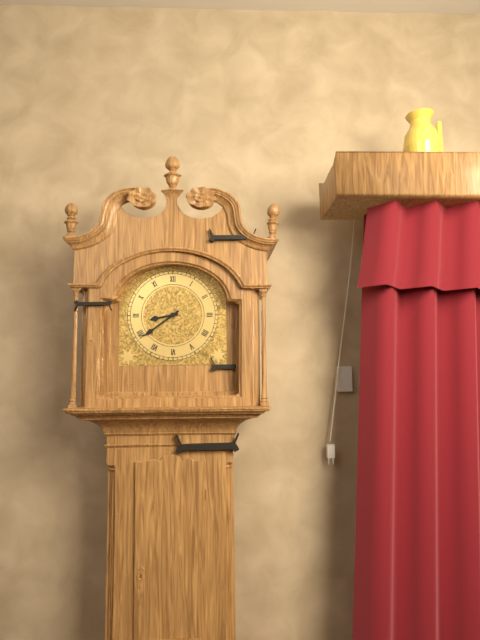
8:39
